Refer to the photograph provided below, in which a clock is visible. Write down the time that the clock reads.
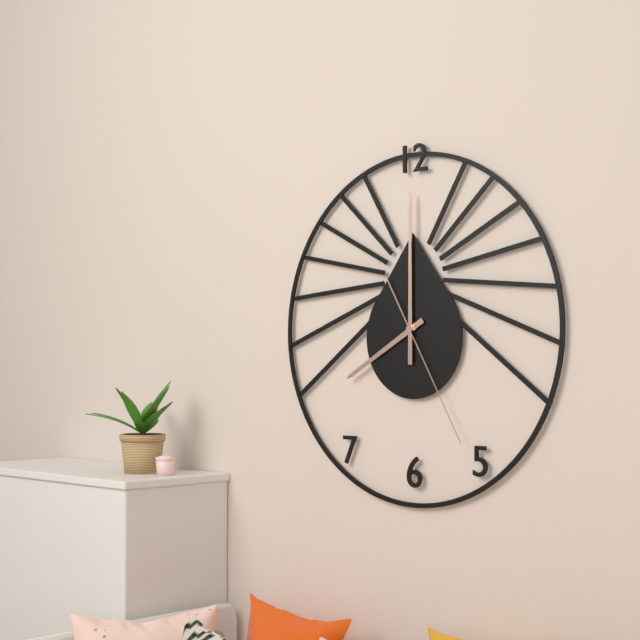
8:00:25
